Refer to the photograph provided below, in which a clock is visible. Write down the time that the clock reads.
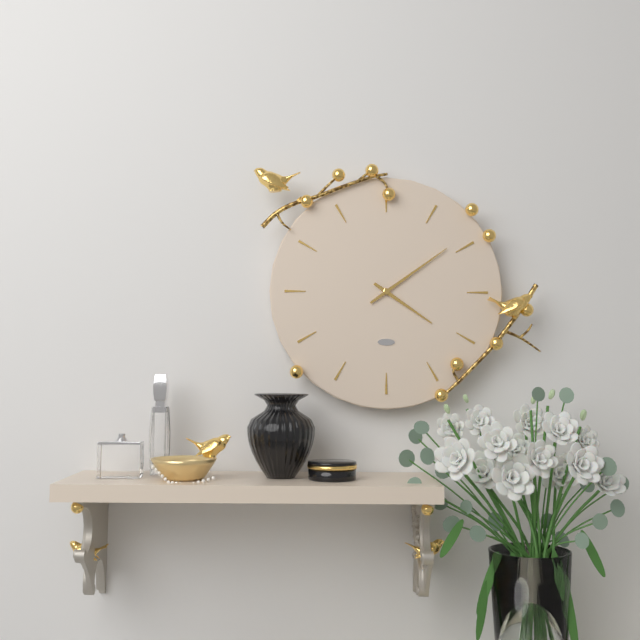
4:09
